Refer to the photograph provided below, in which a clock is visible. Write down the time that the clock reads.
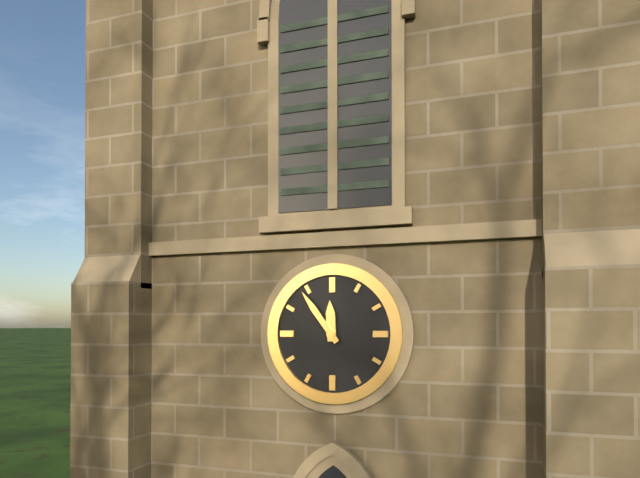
11:54
